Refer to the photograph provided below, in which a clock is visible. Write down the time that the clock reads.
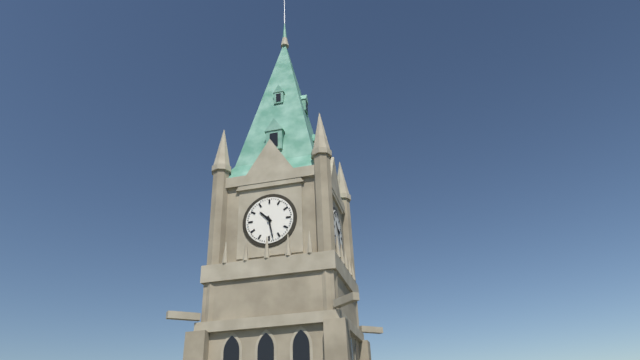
10:28
